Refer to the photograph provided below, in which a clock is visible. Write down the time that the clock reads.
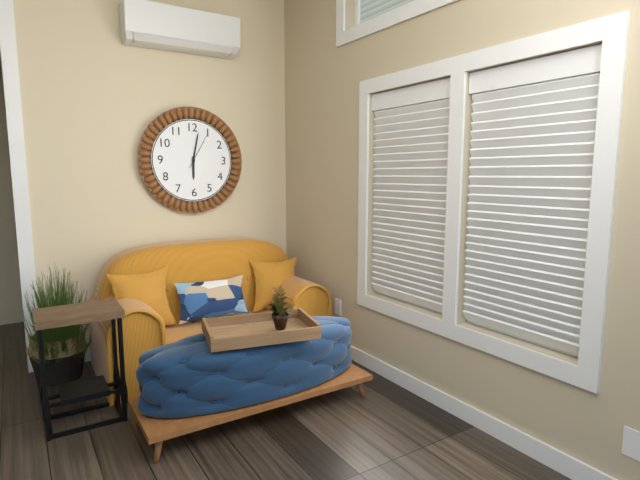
6:02
